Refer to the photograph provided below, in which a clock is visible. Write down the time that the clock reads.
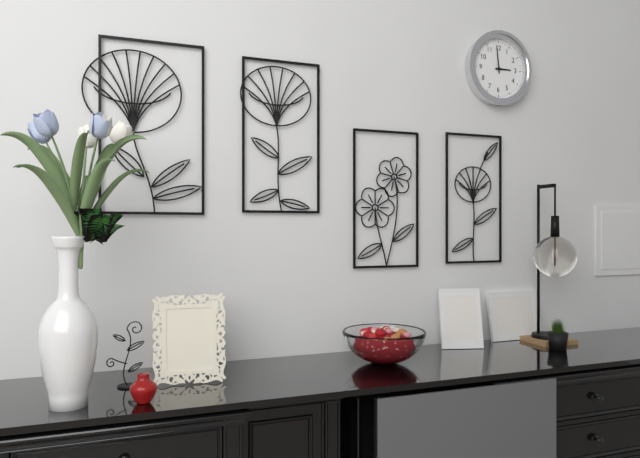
2:59
